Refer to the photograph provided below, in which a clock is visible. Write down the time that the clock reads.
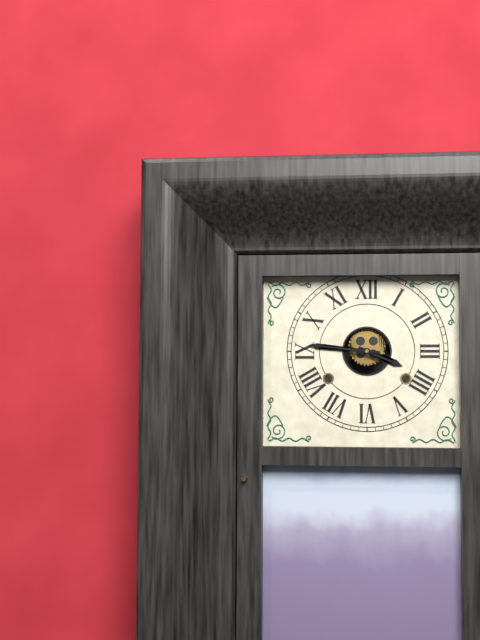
3:46
